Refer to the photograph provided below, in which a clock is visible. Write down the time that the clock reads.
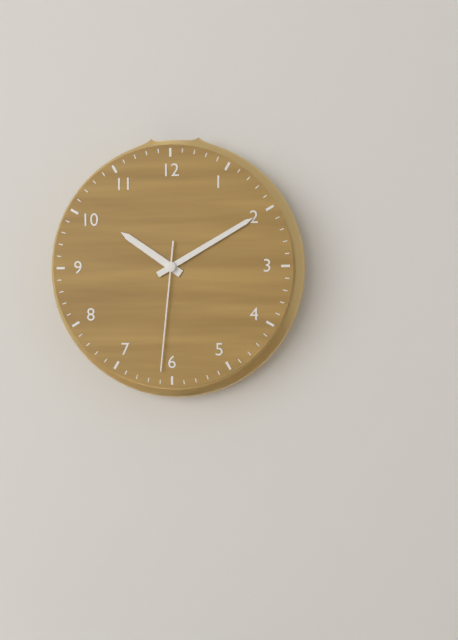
10:10:31
